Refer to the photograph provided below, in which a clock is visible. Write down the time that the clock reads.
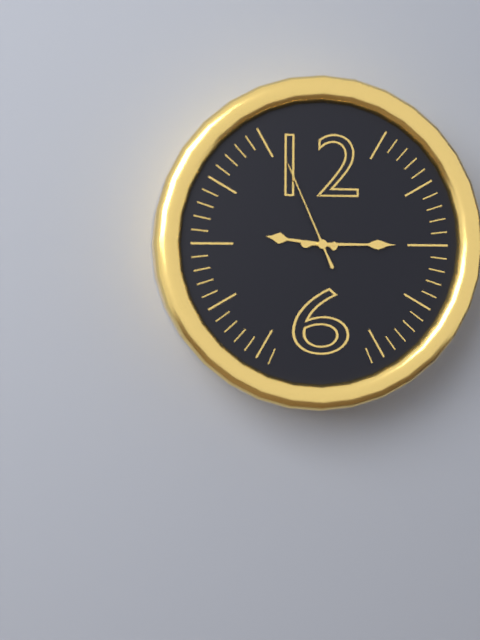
9:15:56
